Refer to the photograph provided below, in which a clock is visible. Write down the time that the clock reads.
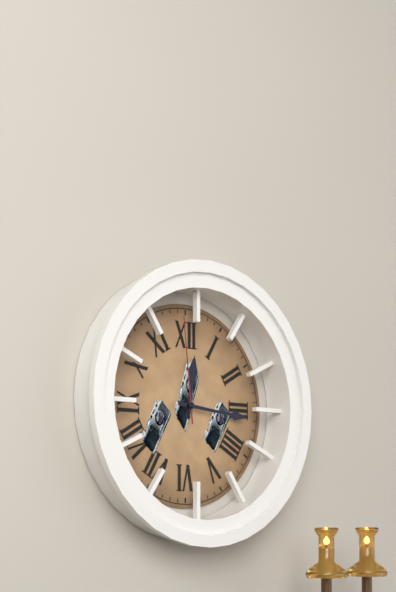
12:16:59
